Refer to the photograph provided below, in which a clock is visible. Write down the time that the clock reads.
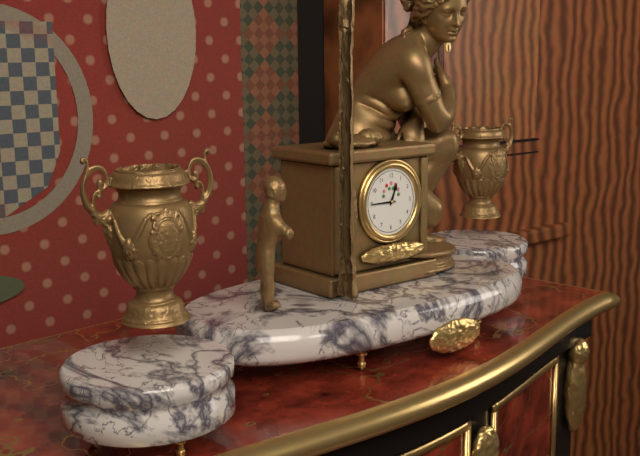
12:45
